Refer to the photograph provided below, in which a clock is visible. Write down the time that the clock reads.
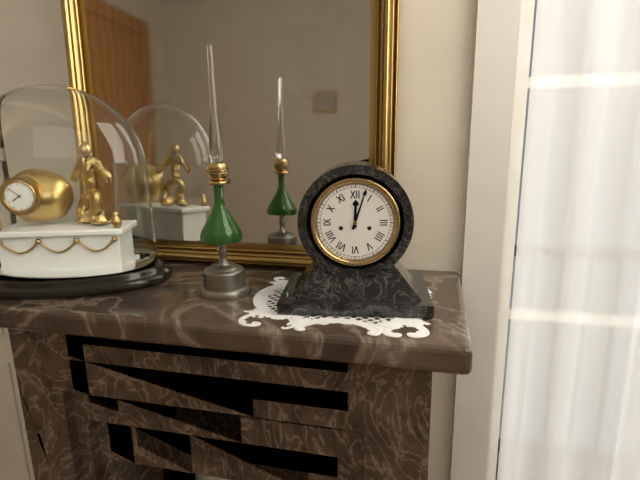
12:03
